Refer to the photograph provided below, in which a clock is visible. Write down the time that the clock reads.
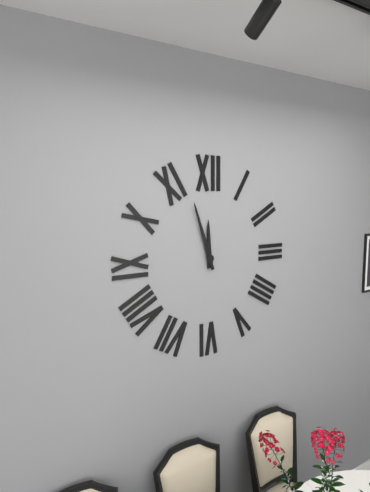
11:57
